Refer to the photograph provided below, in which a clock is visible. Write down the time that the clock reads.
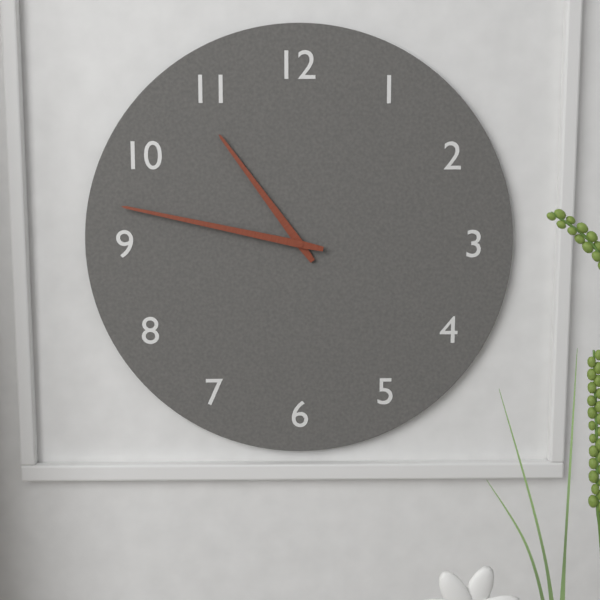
10:47
